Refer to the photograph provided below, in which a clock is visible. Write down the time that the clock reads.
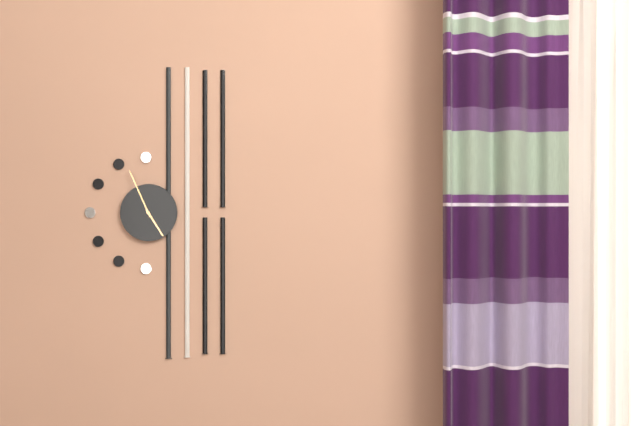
4:56
